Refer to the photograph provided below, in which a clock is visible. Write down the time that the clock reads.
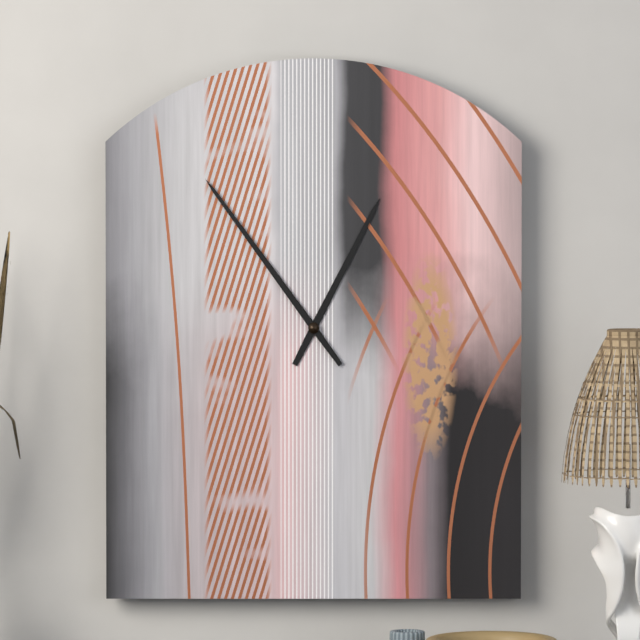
12:54
